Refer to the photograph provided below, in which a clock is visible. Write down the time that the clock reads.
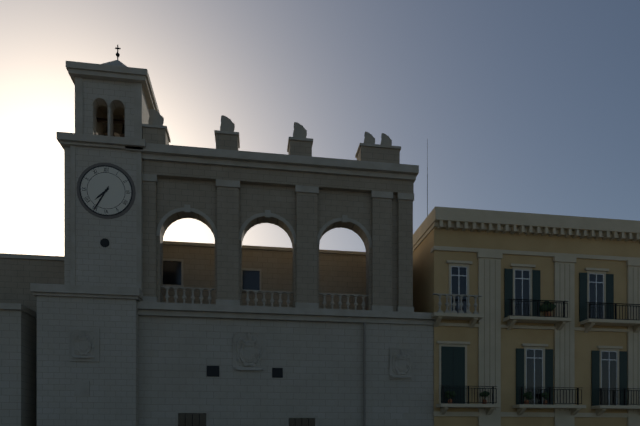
7:35
